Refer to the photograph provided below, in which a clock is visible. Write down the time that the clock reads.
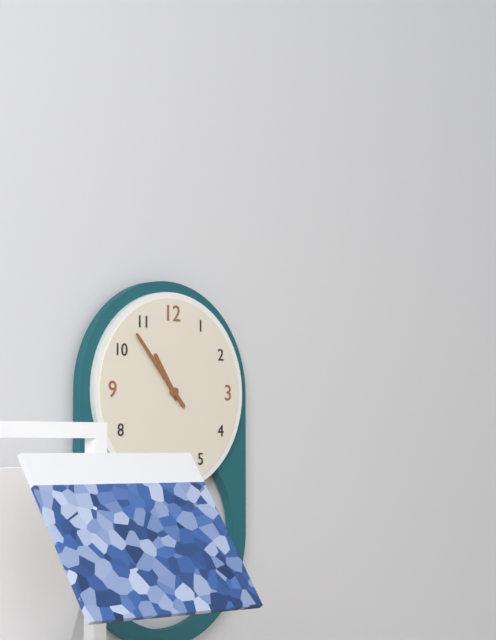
10:53
